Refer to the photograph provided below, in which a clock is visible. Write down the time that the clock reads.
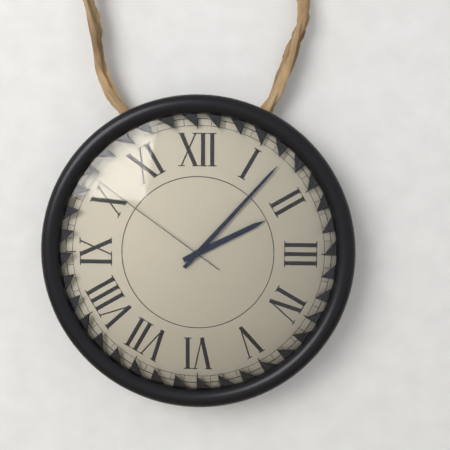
2:07:51
